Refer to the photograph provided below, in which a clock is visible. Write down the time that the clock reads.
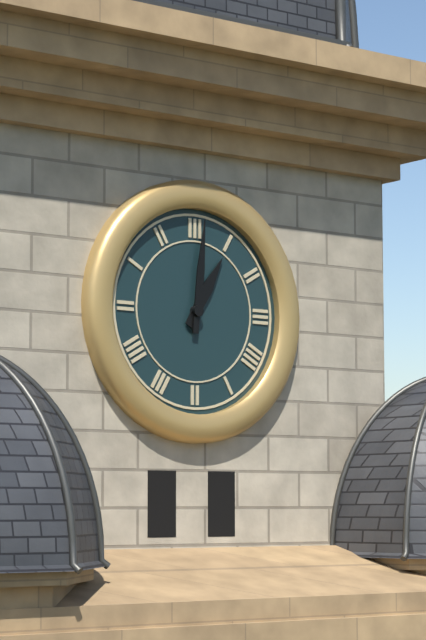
1:01
